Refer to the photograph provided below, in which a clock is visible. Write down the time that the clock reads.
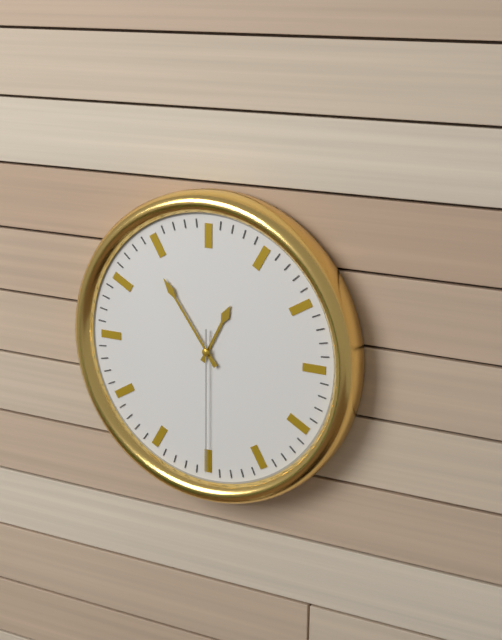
12:54:30
